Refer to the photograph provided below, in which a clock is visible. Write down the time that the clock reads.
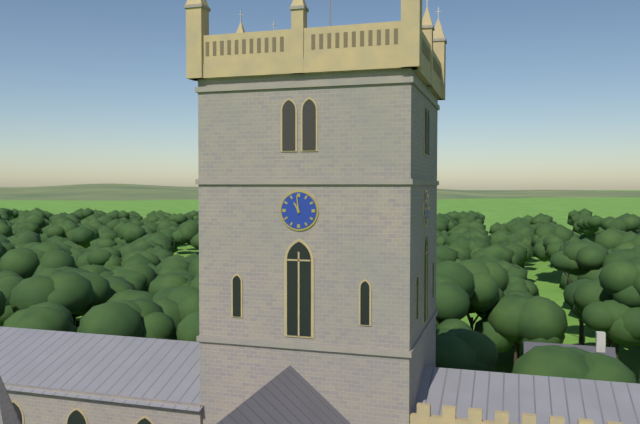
10:59
